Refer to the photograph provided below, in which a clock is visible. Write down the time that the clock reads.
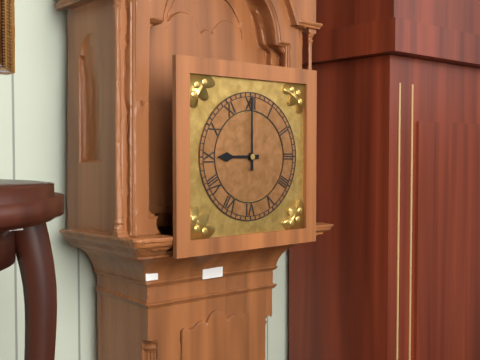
9:00
